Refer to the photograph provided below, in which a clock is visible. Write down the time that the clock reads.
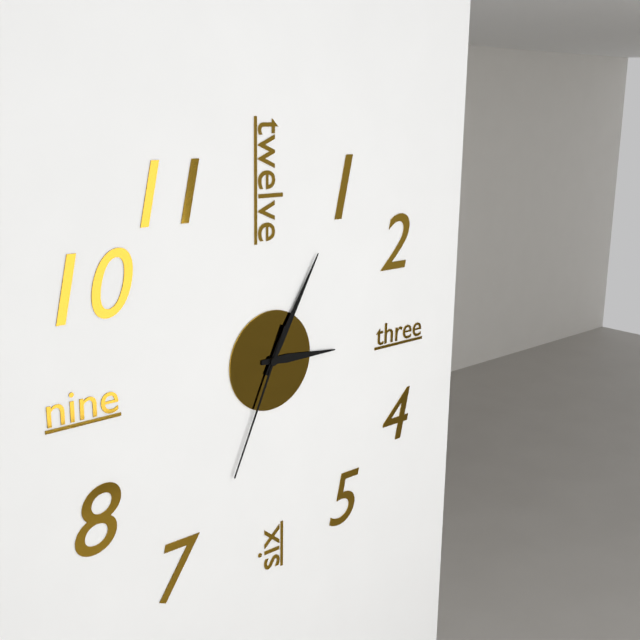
3:05:34
